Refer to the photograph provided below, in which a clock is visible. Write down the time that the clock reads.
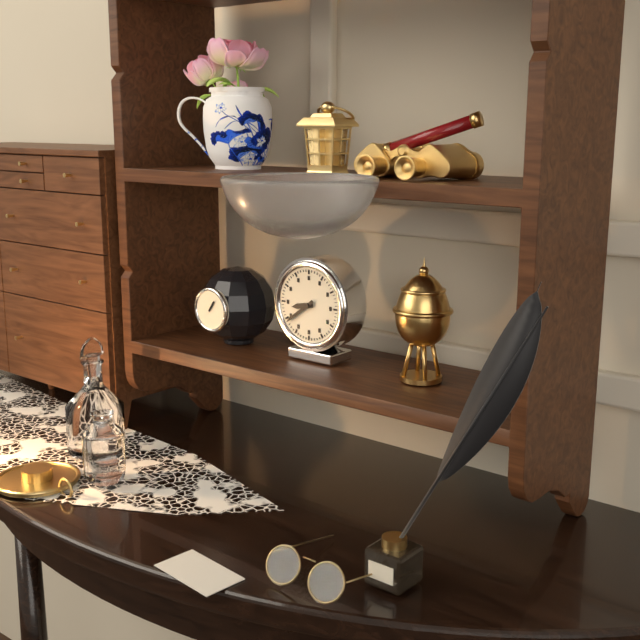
8:39
